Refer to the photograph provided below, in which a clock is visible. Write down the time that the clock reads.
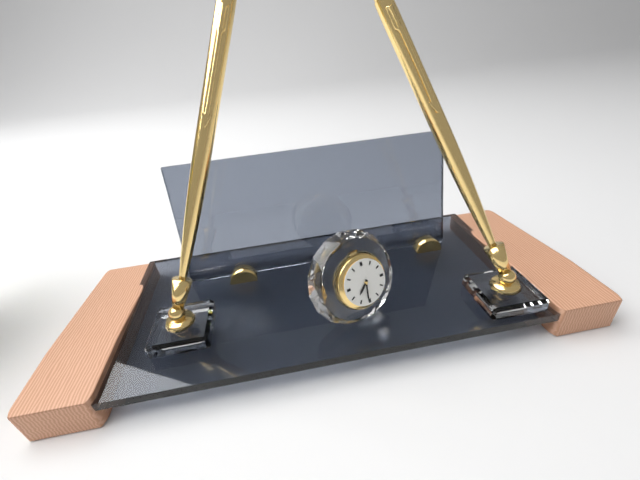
7:31
